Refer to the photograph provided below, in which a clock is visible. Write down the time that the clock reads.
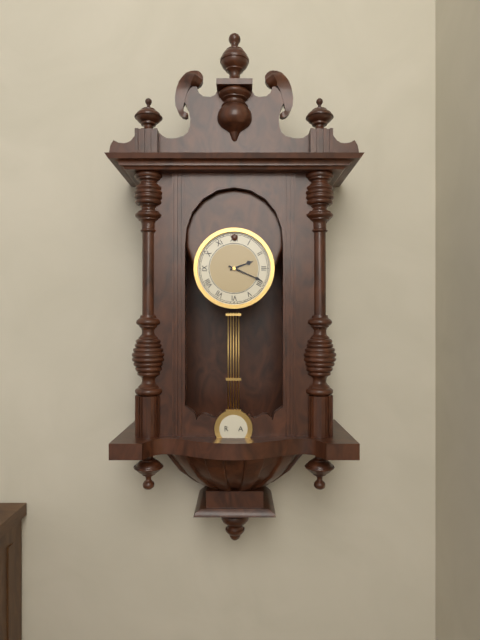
2:19
